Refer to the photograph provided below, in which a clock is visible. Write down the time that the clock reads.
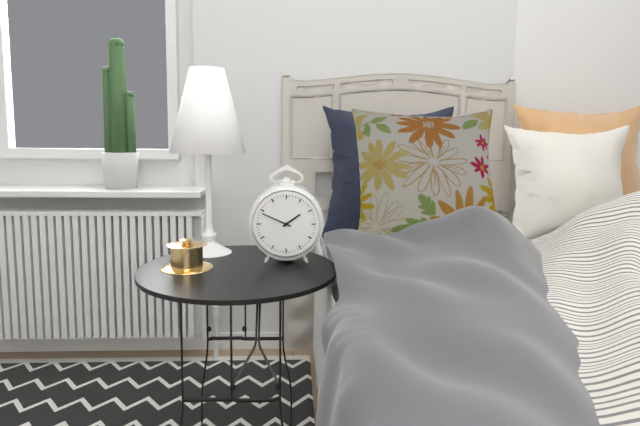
1:49
